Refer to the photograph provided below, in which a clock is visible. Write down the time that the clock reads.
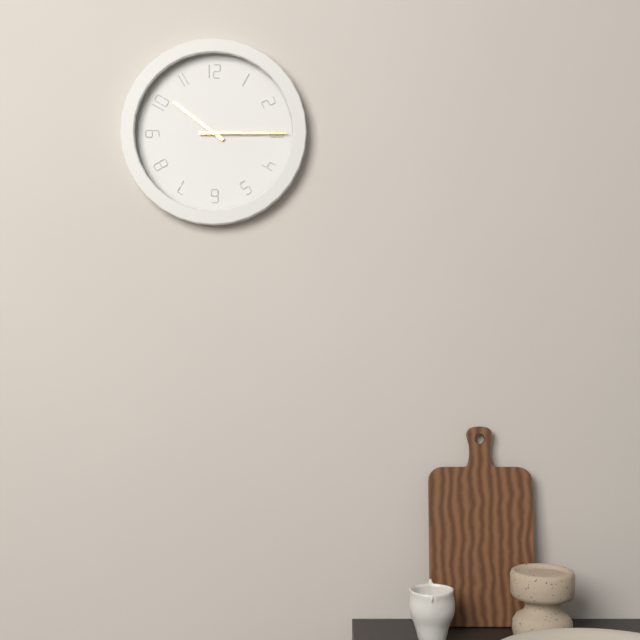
10:15
